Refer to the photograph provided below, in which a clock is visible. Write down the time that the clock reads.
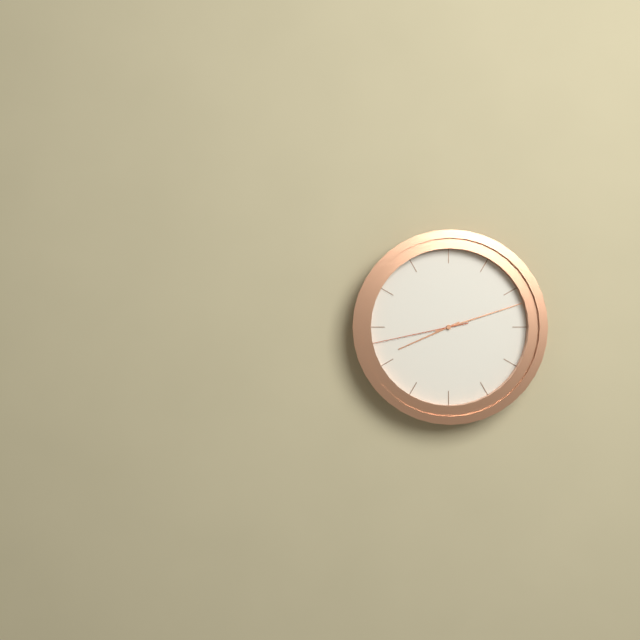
8:12:43
